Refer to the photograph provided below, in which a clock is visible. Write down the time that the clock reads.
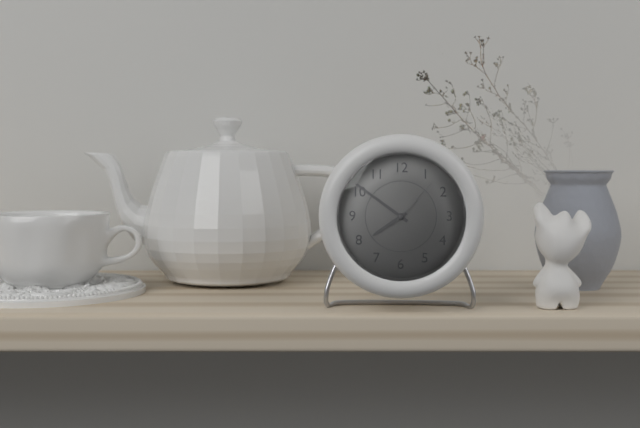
7:51:07
